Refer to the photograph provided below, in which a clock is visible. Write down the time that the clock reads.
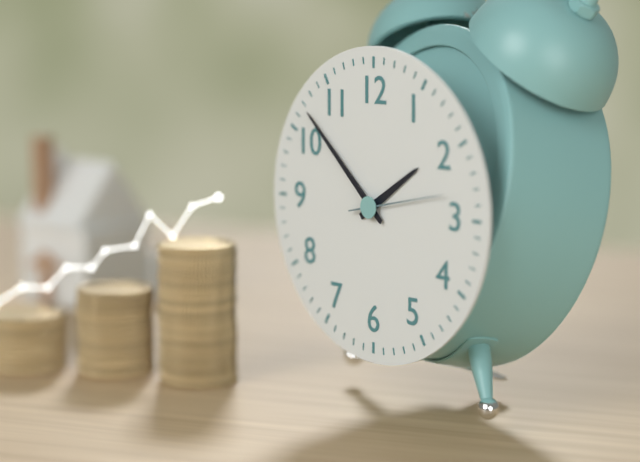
1:52:13
